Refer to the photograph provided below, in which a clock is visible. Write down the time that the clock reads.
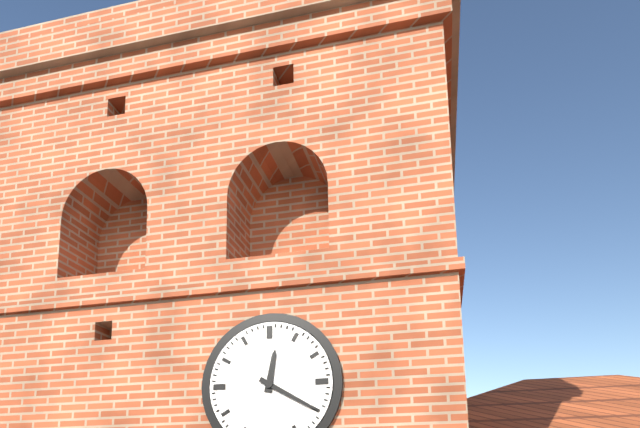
12:20
